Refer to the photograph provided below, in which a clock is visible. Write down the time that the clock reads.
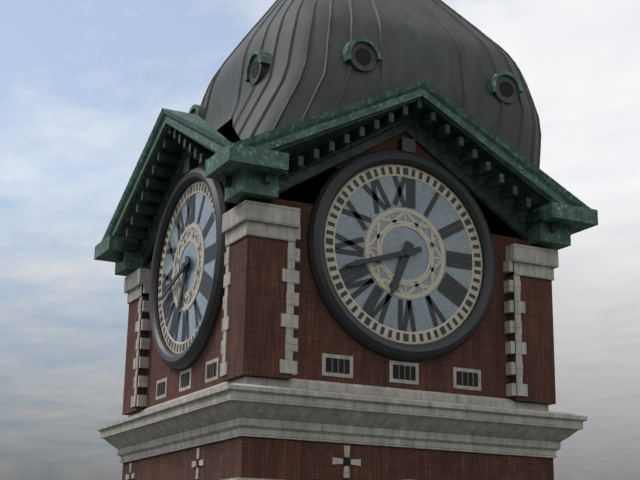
6:42
